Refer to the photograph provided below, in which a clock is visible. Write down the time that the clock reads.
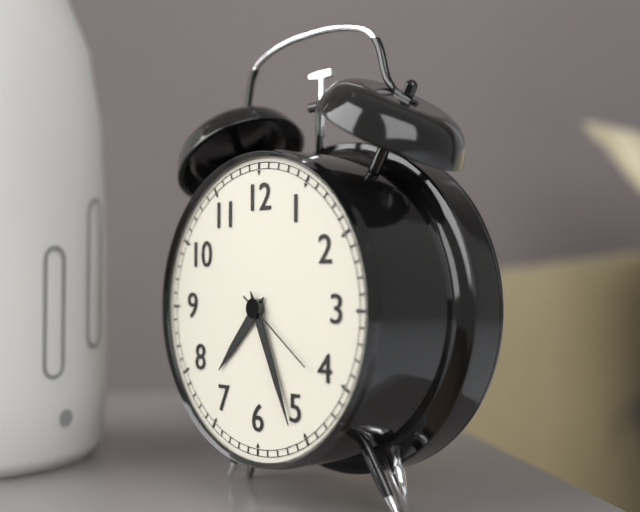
7:26:21
